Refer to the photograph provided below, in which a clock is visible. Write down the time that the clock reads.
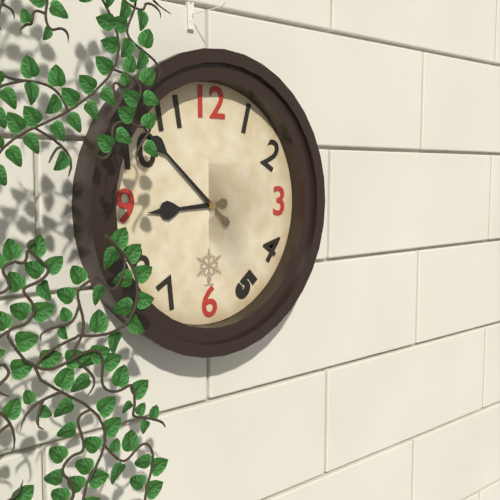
8:52
